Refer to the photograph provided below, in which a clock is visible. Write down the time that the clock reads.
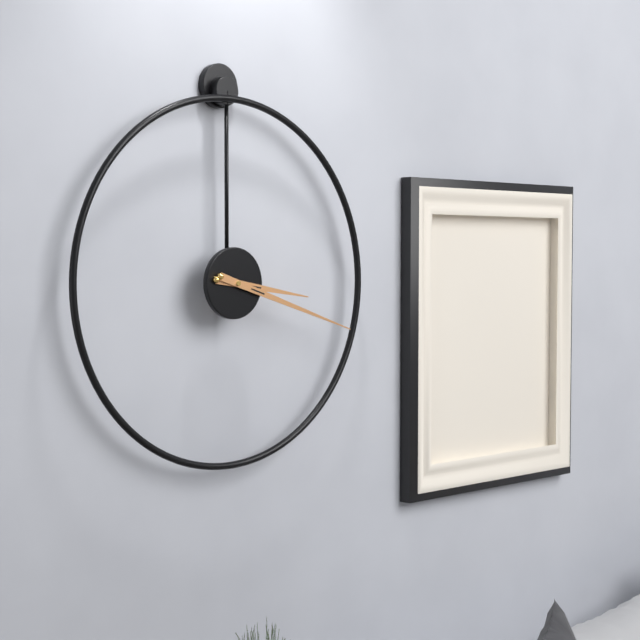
3:18
